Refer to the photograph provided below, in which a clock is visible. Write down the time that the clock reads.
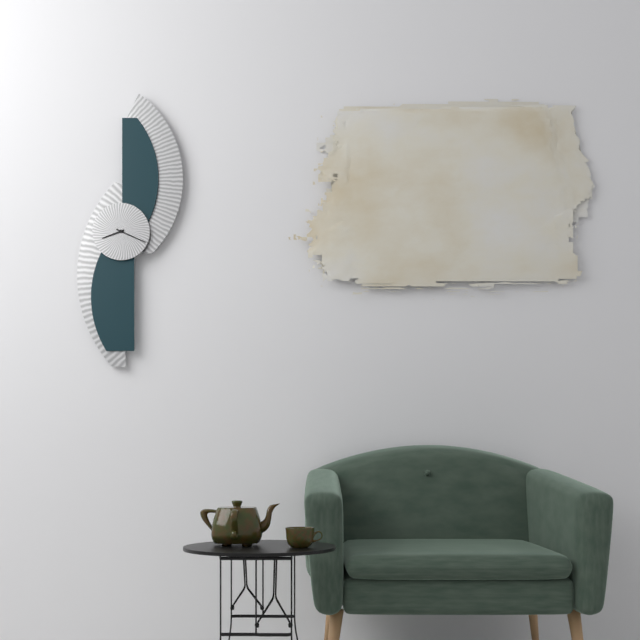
8:19
